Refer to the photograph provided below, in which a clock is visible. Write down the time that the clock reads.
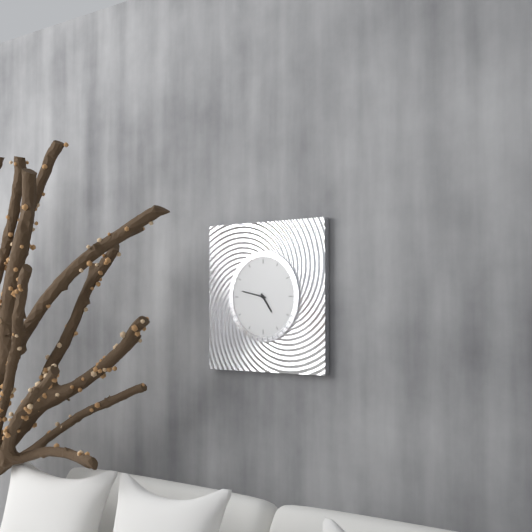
4:47
